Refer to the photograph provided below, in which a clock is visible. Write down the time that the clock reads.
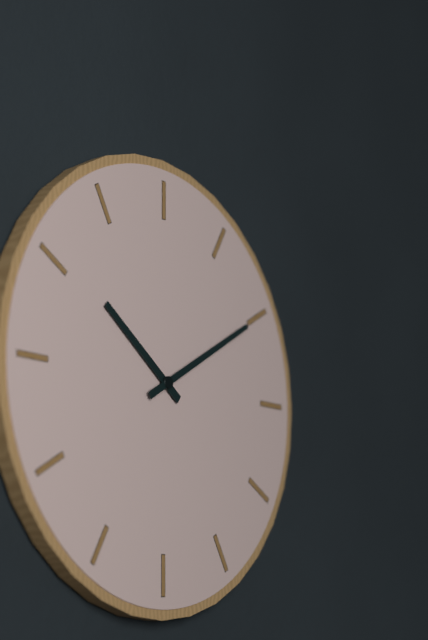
10:10
